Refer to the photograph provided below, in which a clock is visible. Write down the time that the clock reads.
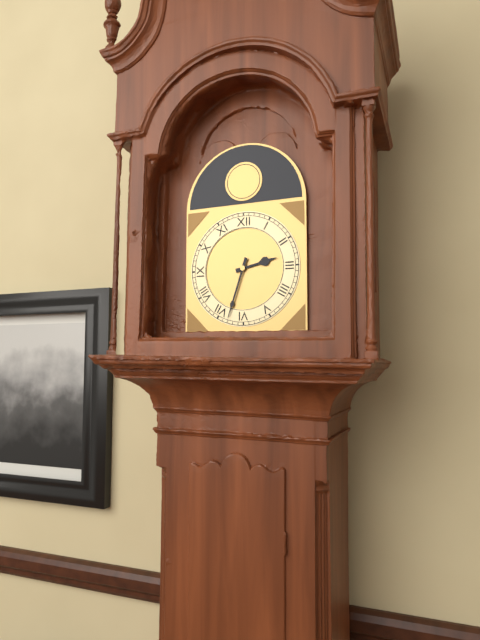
2:33
